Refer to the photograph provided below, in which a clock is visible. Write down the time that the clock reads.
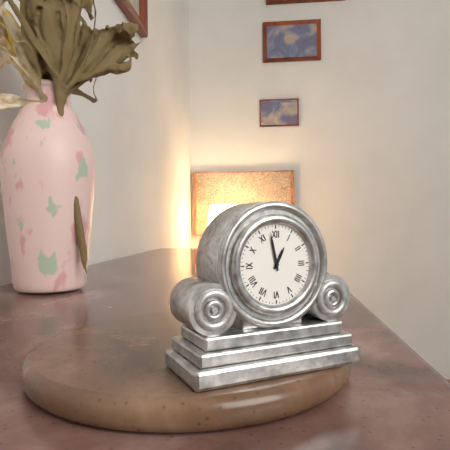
12:58
